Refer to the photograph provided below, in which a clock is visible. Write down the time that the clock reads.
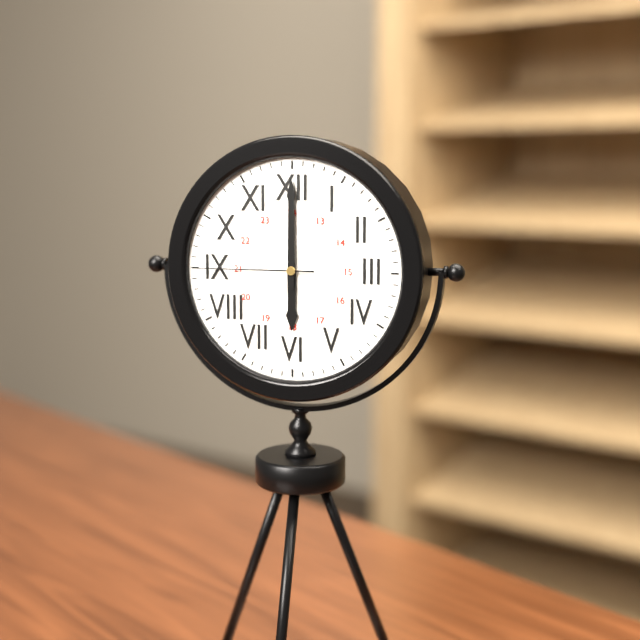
6:00:45
